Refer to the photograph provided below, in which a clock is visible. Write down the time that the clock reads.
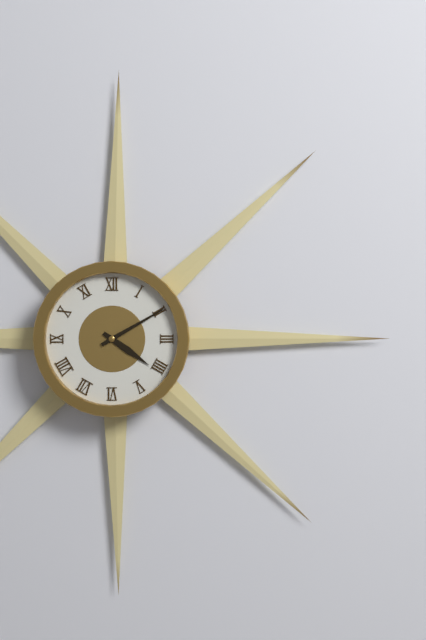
4:10
